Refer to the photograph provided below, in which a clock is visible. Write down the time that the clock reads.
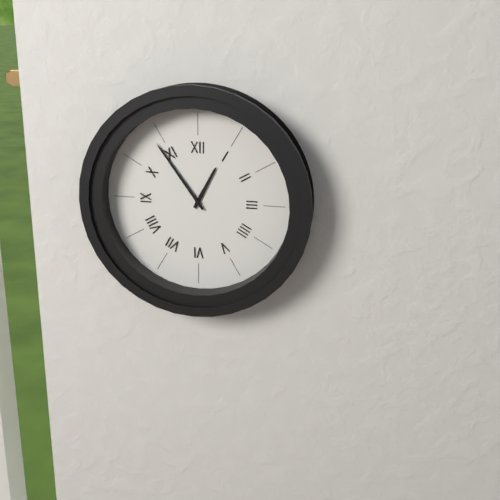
12:54
